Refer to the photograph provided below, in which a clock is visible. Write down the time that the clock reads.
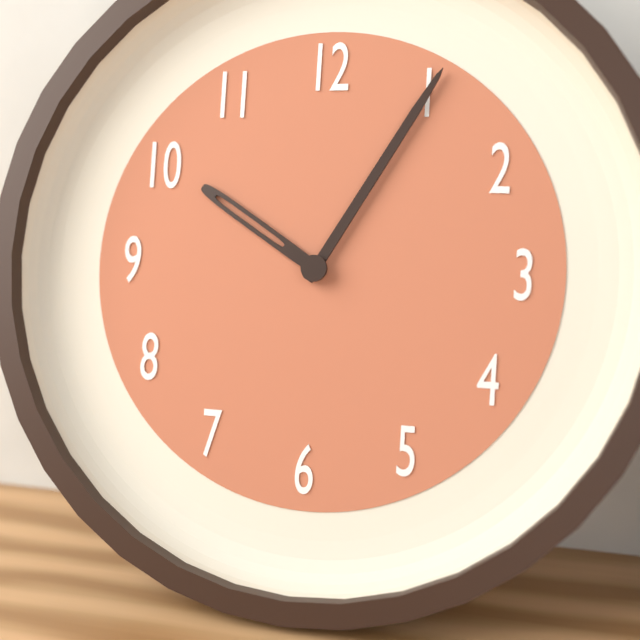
10:05
